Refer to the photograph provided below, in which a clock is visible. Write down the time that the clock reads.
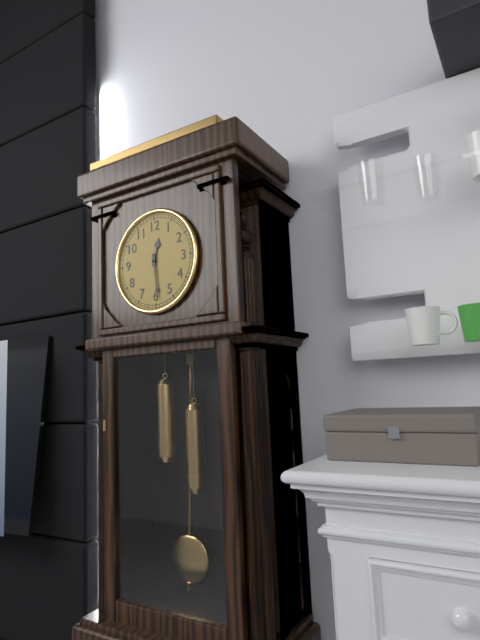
12:29
